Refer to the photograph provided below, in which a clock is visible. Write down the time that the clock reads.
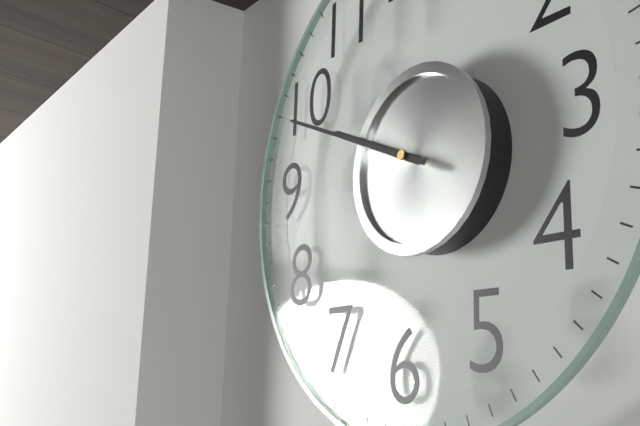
9:49
